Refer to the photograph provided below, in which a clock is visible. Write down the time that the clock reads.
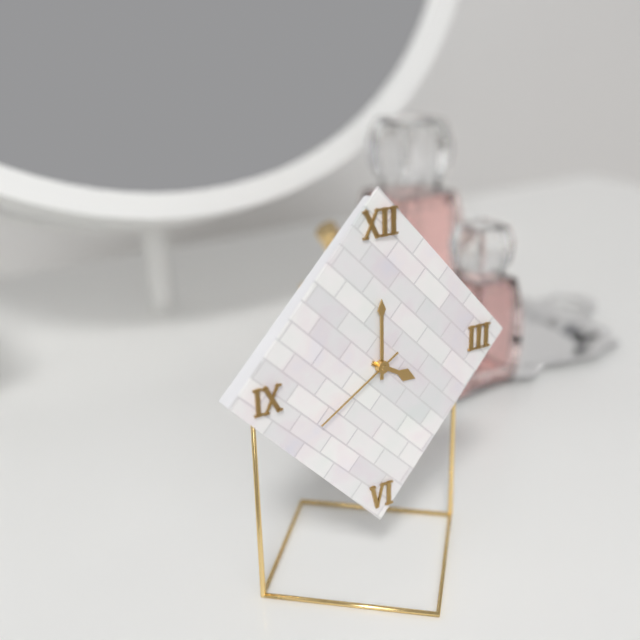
4:00:40
